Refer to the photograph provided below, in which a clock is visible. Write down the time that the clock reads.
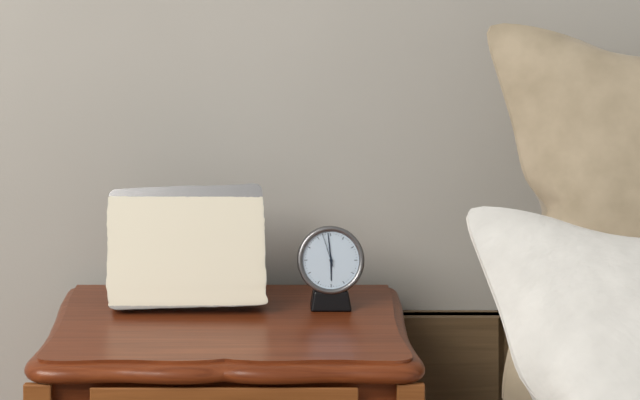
5:59
